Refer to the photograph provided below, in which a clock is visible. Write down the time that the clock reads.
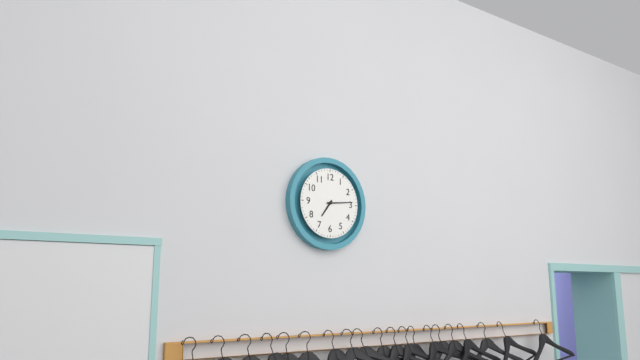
7:14
